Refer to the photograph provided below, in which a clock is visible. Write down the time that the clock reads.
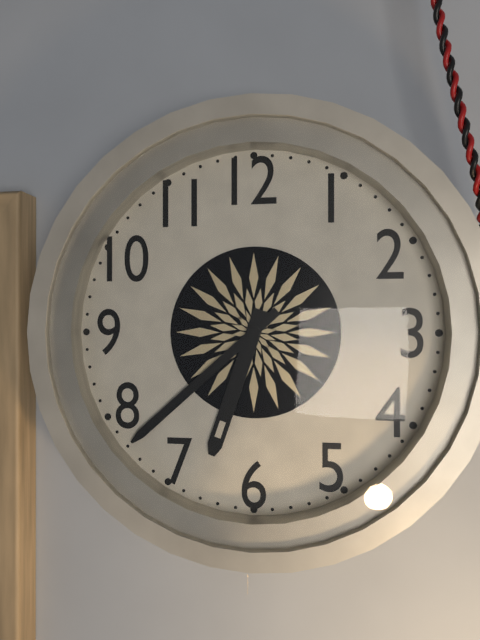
6:38
